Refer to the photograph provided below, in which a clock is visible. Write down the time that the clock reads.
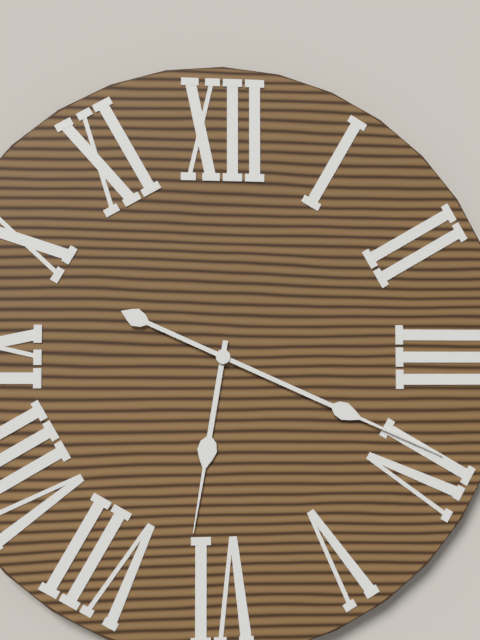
6:19
